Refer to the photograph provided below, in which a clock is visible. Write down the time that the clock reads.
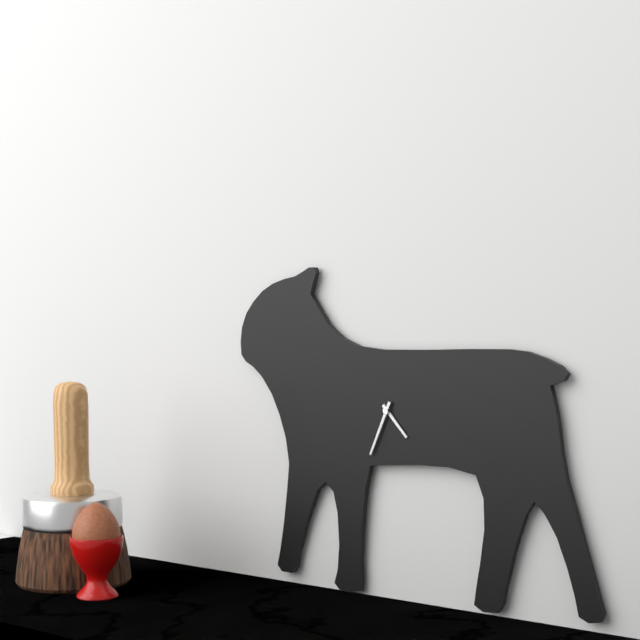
4:34
